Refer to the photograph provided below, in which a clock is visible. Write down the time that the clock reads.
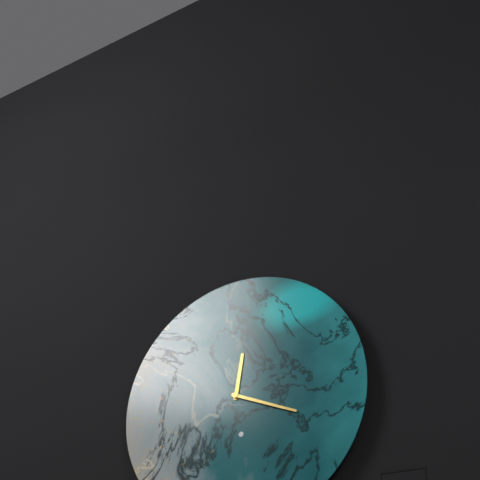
12:19
